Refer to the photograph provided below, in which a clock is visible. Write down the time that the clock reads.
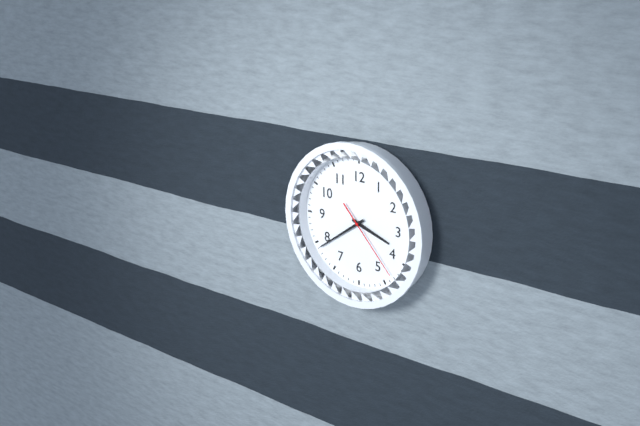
3:39:23
